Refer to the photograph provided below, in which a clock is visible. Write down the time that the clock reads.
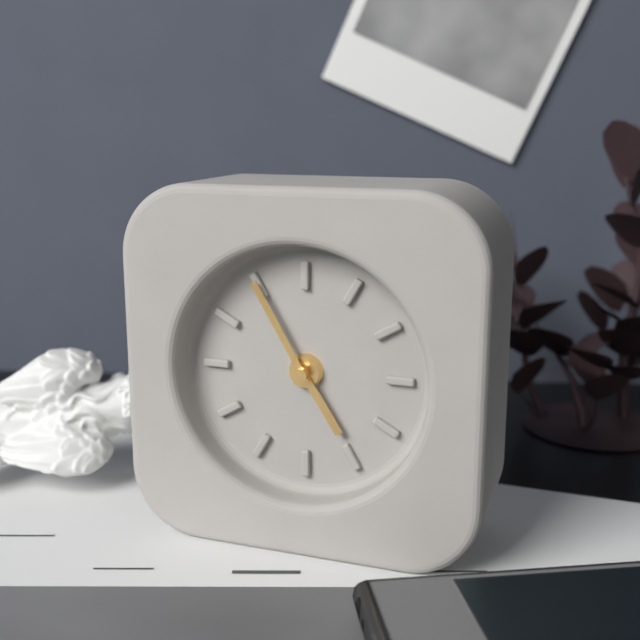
4:55
